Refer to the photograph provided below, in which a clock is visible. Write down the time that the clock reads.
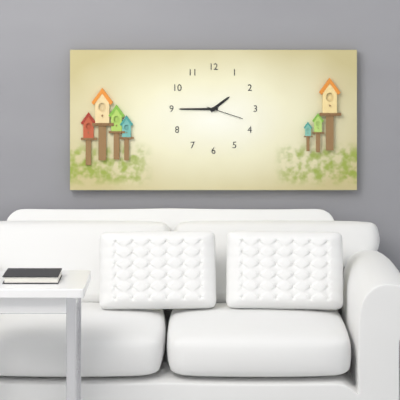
1:45
